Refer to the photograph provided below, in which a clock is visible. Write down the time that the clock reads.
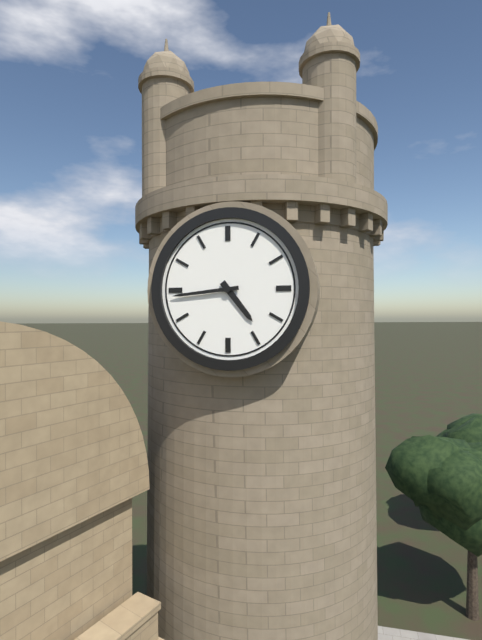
4:44
